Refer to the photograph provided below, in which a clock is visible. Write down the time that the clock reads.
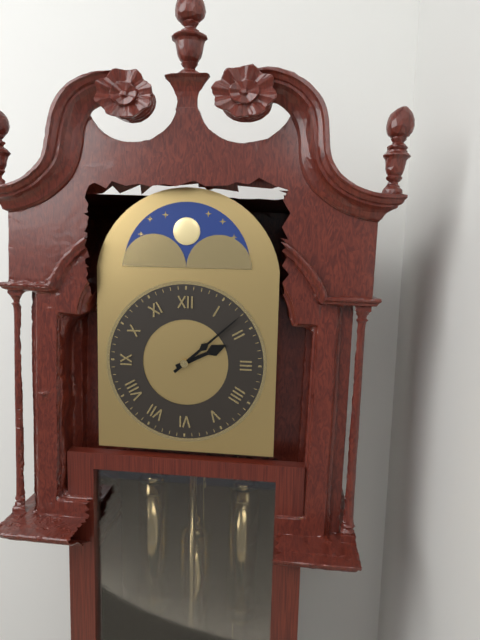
2:08
